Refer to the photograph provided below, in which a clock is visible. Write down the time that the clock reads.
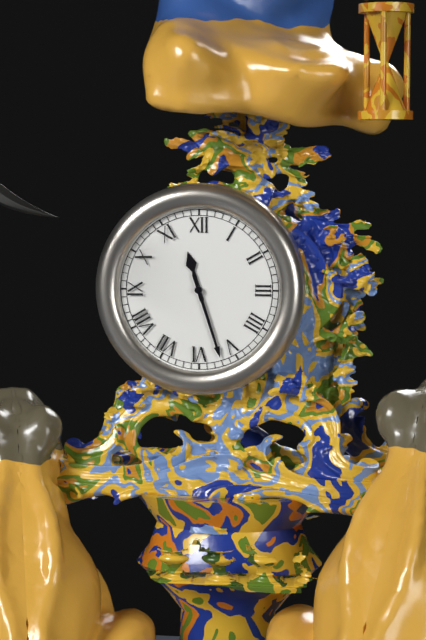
11:27
